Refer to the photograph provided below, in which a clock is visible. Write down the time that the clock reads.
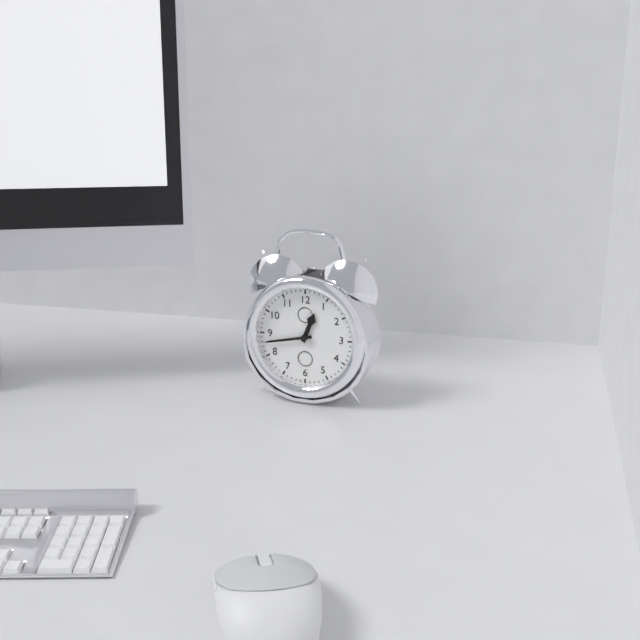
12:43
